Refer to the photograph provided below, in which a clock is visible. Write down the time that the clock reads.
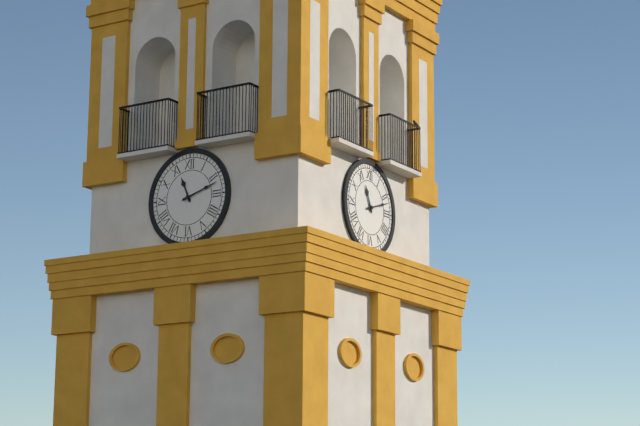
11:12
